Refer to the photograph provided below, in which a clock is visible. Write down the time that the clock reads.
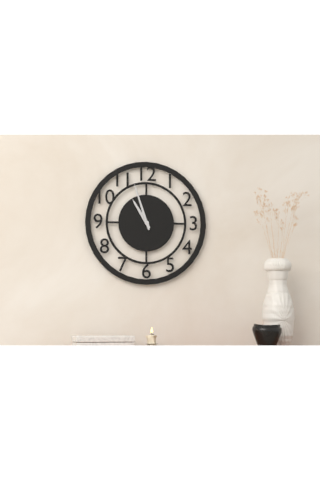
10:57
